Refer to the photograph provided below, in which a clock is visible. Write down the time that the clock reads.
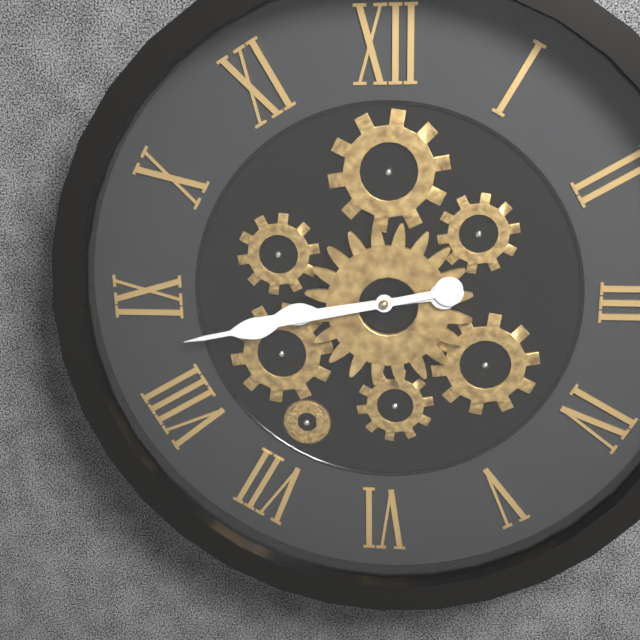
8:43
